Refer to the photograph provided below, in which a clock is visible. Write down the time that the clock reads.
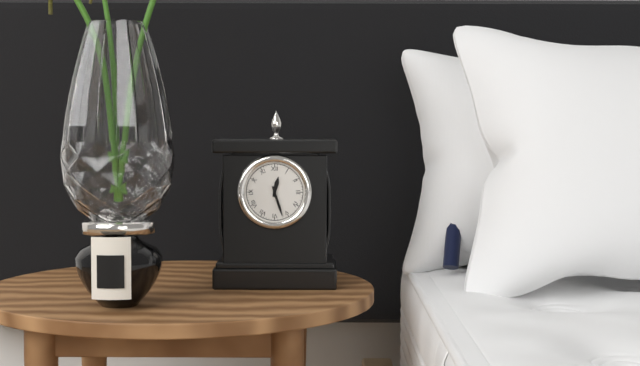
12:27
